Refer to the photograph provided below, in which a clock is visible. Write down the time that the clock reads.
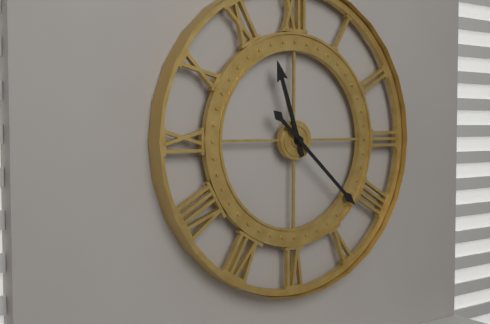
11:22
